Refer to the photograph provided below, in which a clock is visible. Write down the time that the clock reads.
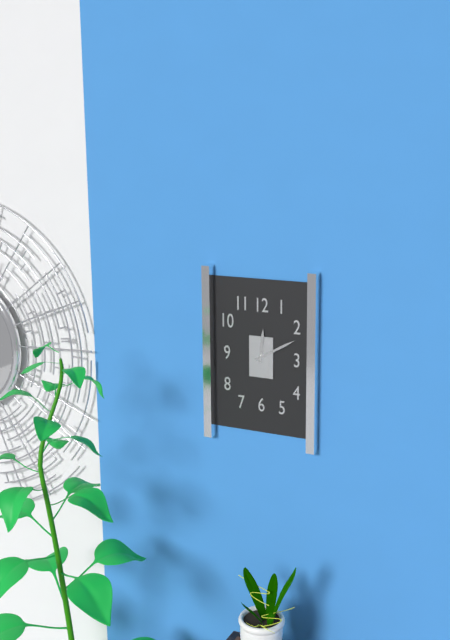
12:10
